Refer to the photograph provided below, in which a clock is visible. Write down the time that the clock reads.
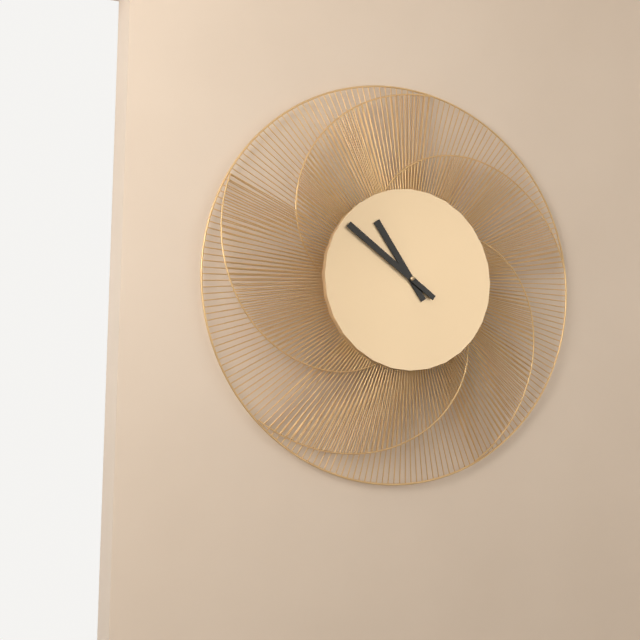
10:51
